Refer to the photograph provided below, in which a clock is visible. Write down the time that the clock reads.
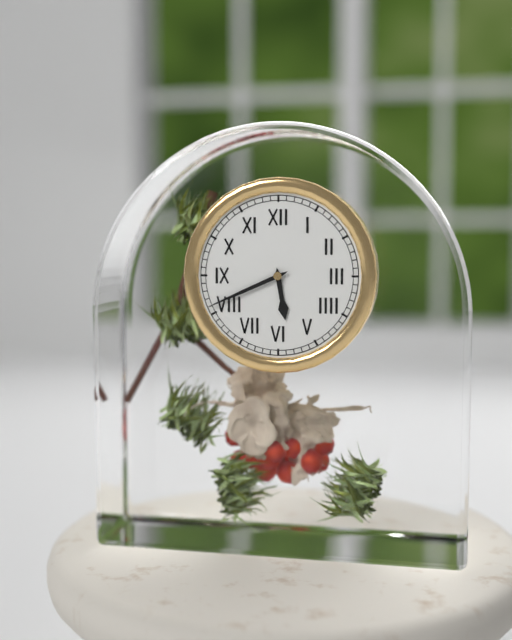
5:41
